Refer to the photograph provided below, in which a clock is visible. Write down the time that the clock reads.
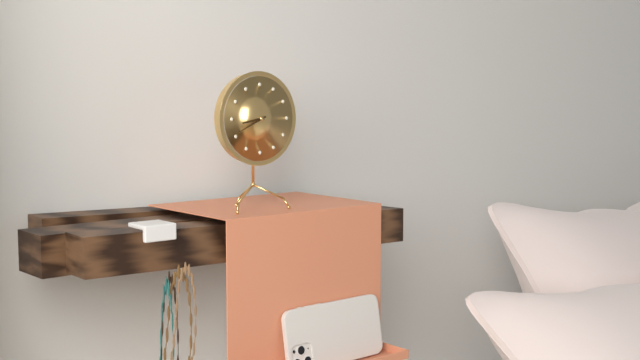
8:41
